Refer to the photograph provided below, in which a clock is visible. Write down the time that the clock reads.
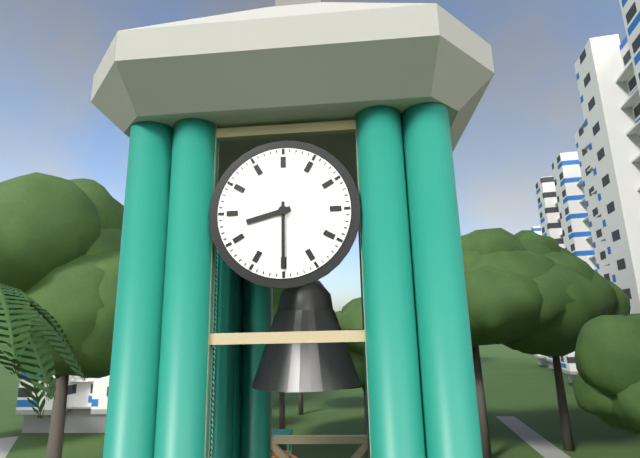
8:30
